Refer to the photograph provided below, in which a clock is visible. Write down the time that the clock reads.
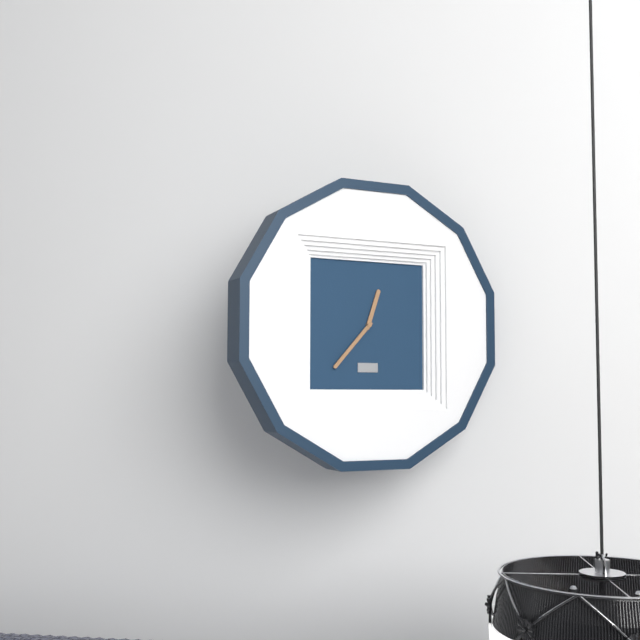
12:37
